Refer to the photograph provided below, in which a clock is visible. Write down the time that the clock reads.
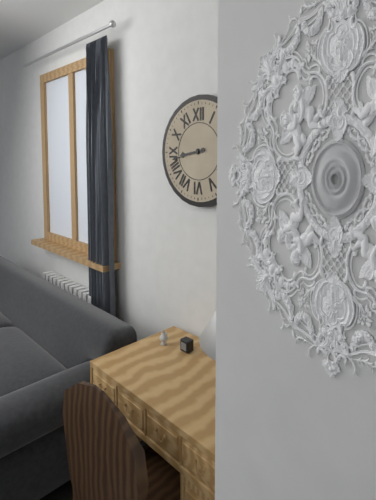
8:43
